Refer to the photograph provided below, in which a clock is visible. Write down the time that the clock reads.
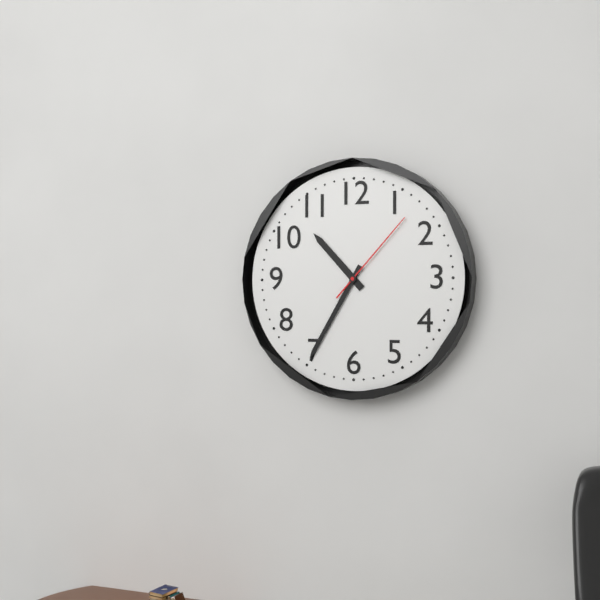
10:35:07
